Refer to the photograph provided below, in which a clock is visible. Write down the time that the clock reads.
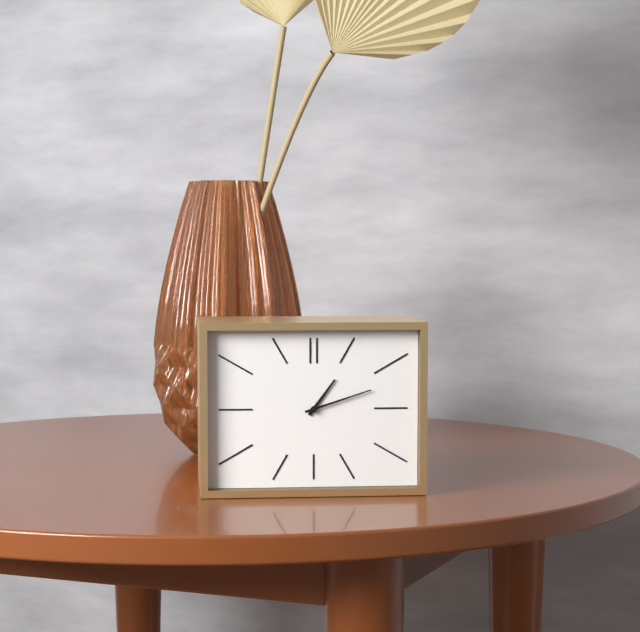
1:12
